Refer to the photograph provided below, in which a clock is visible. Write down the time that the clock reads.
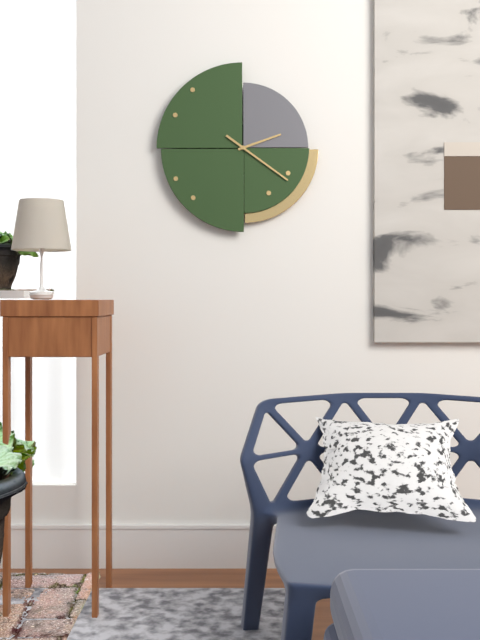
2:21
